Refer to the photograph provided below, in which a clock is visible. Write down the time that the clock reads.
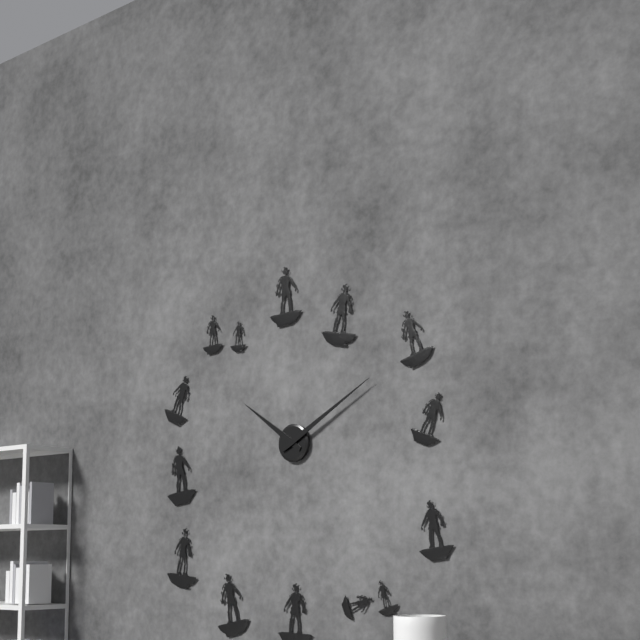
10:10
